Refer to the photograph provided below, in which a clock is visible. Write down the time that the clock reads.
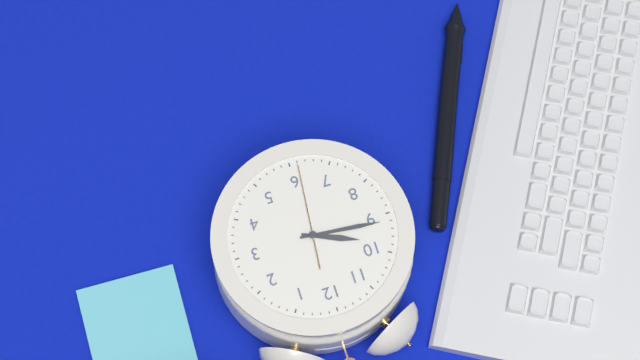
9:46:31
